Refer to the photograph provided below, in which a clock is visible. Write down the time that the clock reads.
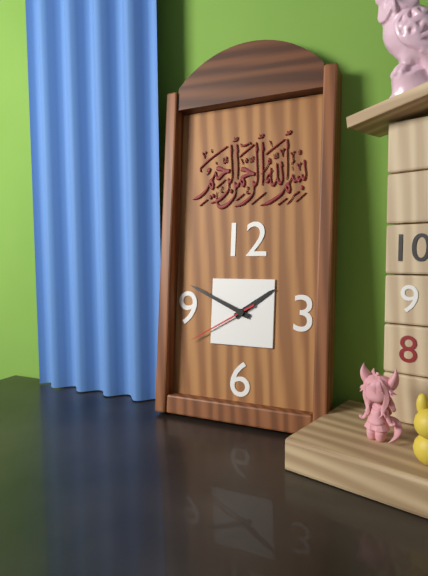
1:49:40
